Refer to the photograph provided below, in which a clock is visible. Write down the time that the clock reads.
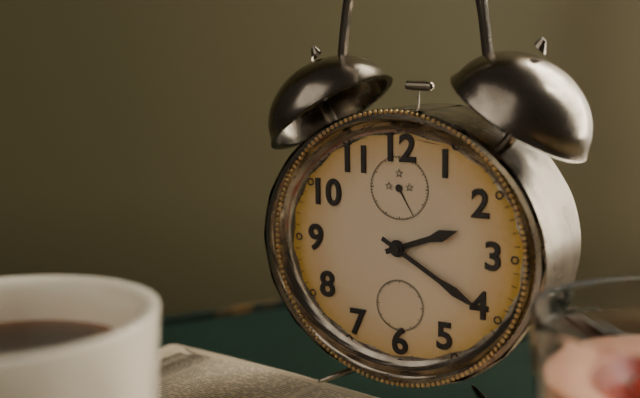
2:20
